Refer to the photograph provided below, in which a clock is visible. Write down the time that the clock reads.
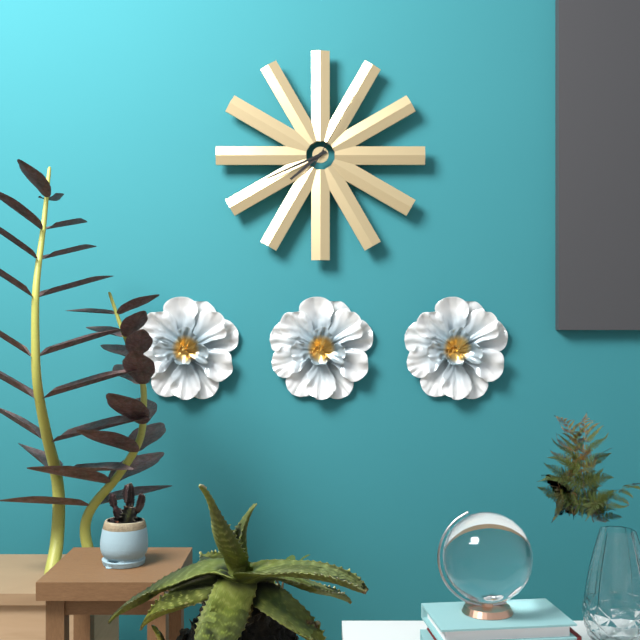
7:41:05
